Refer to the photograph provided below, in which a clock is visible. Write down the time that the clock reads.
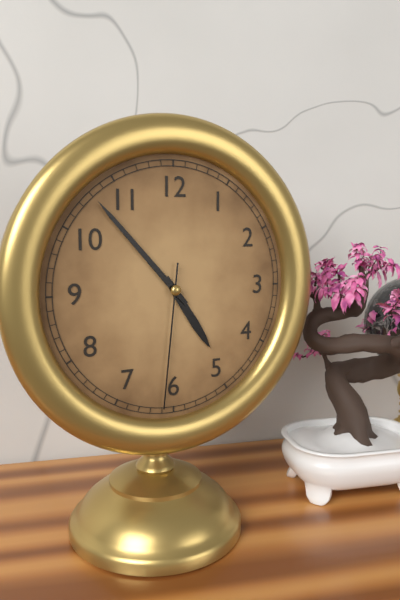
4:53:31
